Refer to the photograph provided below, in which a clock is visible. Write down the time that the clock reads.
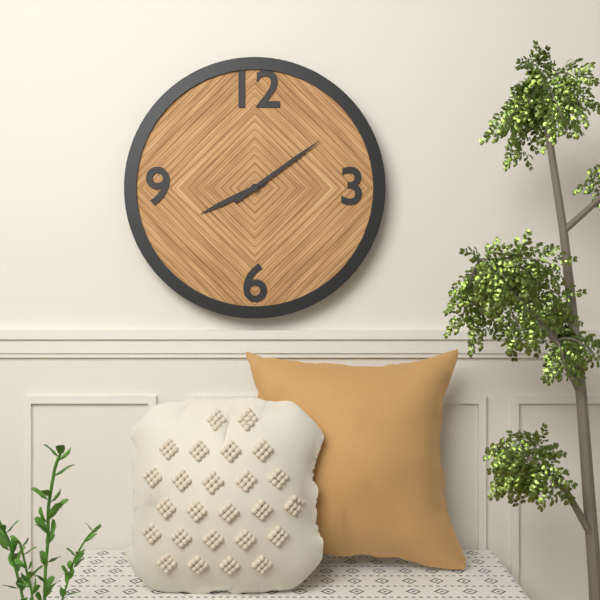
8:09
